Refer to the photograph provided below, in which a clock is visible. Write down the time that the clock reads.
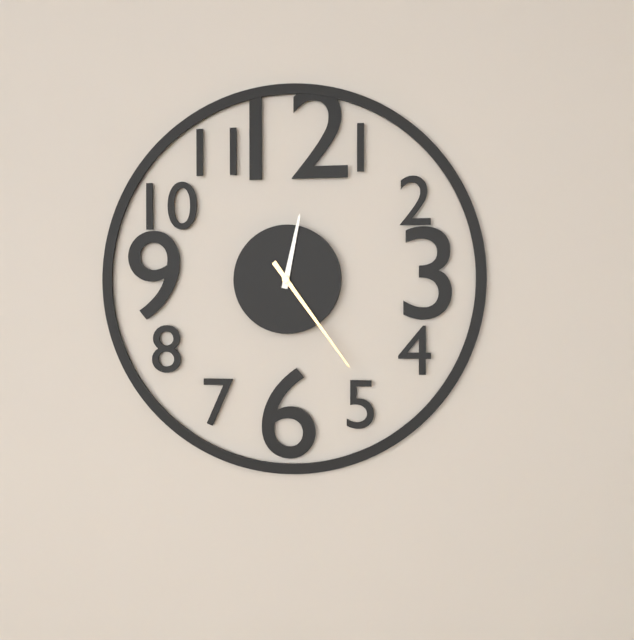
12:24
